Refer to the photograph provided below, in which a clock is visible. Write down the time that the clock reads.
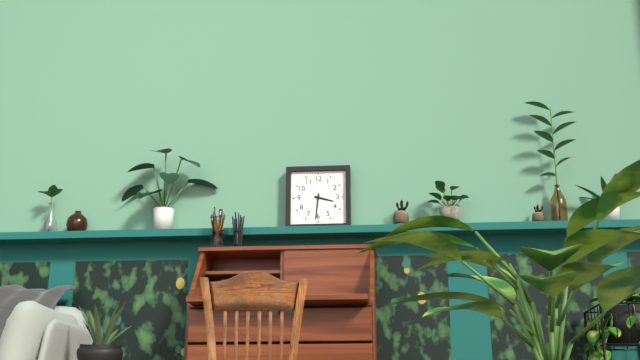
3:31
